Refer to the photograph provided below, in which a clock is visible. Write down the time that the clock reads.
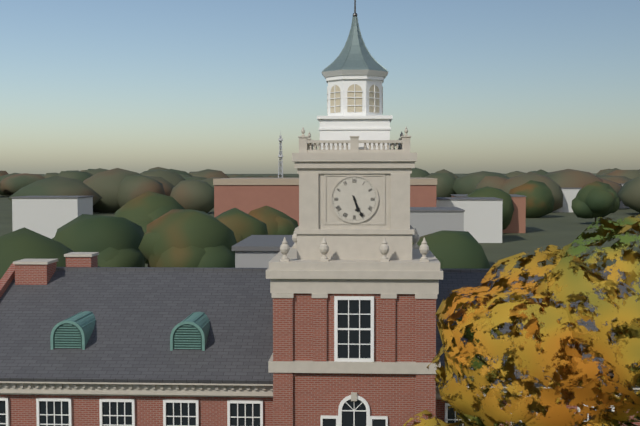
5:26
